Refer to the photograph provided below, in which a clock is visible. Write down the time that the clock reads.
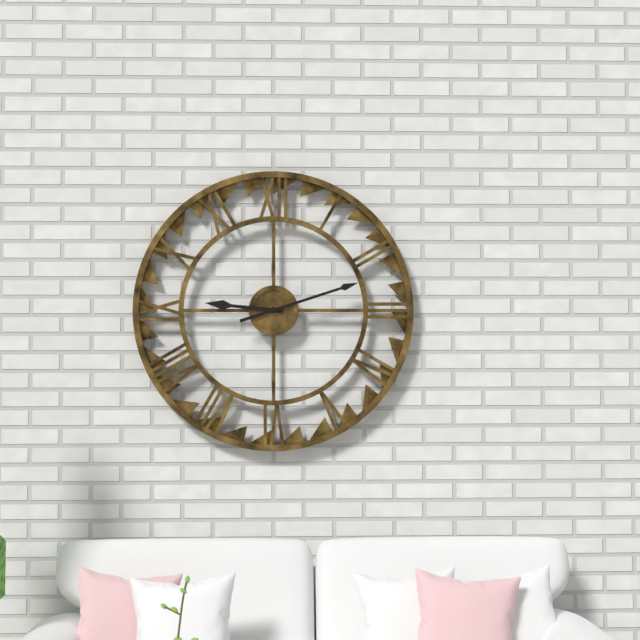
9:12
